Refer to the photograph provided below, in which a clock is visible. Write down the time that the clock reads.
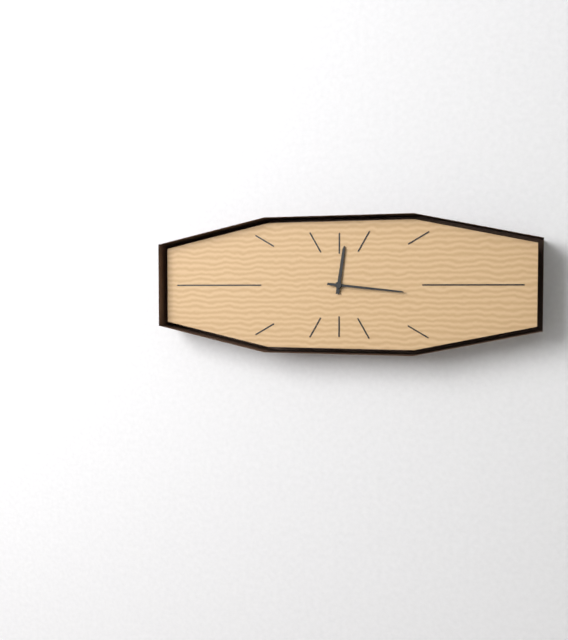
12:16
